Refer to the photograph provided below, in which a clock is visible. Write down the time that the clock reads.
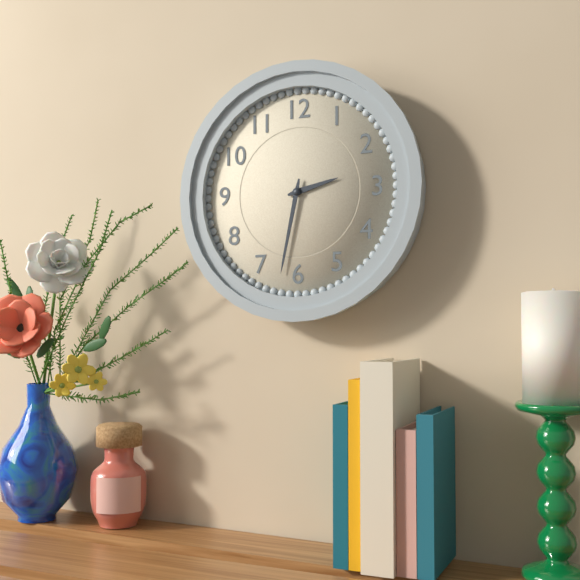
2:32
